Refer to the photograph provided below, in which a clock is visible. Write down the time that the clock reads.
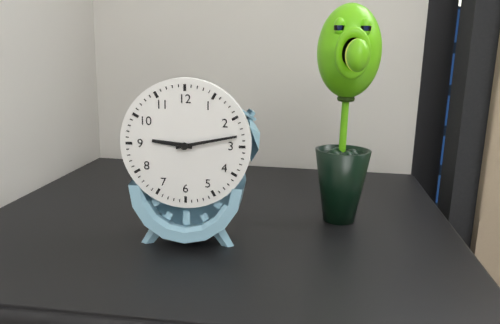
9:13
